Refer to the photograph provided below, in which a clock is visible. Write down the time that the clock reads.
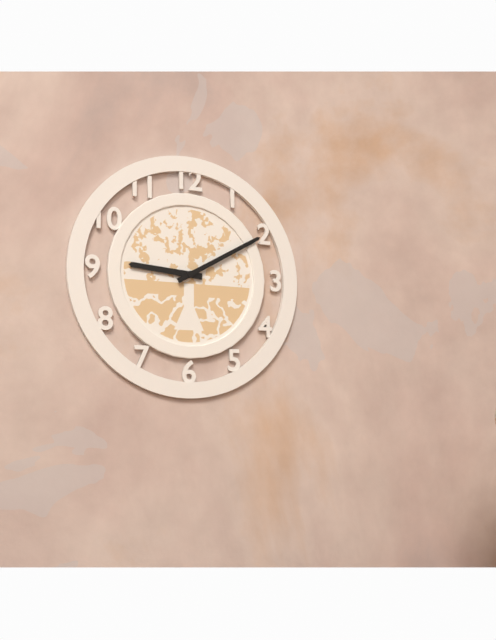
9:10
